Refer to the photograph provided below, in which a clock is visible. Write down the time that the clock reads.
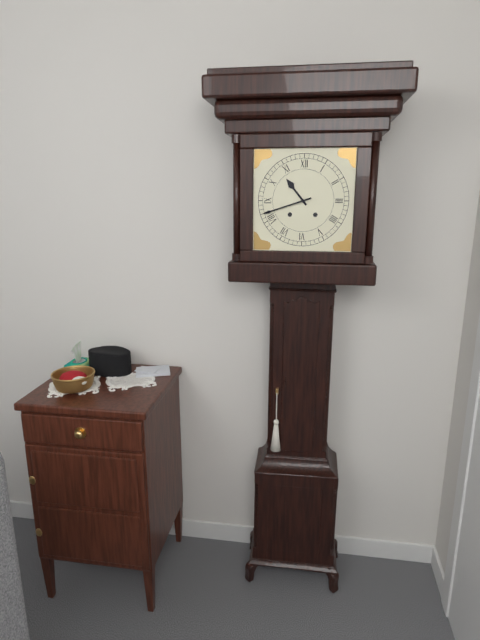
10:42
